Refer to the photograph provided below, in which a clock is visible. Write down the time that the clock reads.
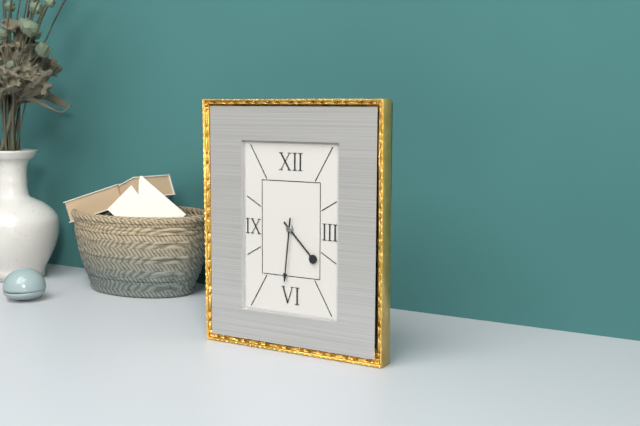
4:31
